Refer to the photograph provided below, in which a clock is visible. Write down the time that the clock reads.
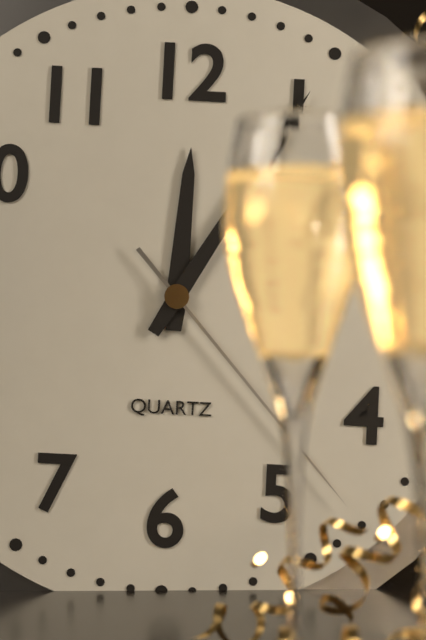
12:05:23
